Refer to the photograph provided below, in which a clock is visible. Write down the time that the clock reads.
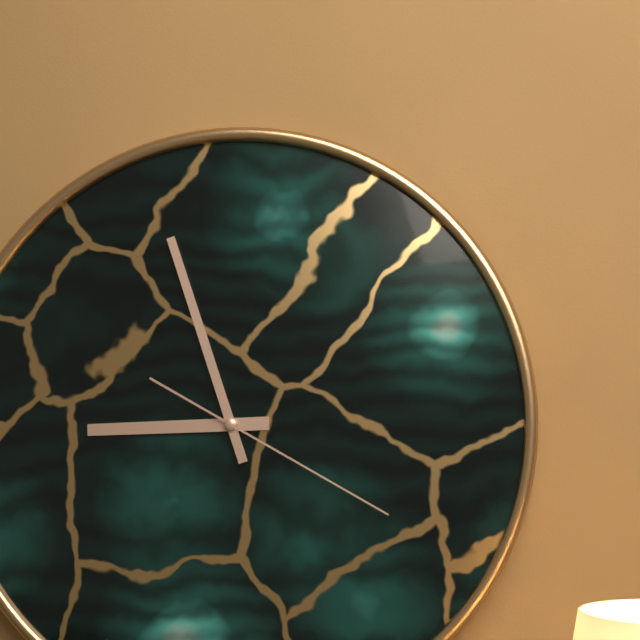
8:57:20
